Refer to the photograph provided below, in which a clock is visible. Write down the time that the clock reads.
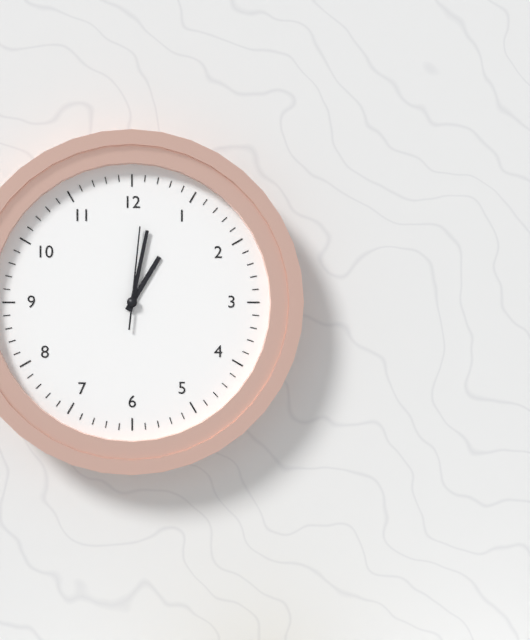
1:02:01
